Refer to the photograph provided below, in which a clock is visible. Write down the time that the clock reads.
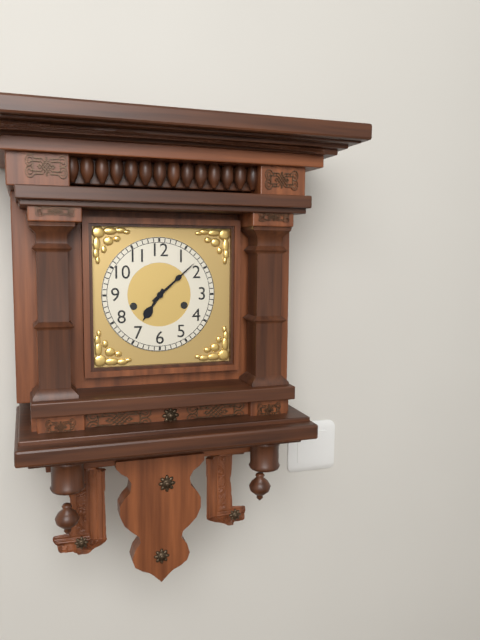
7:08
